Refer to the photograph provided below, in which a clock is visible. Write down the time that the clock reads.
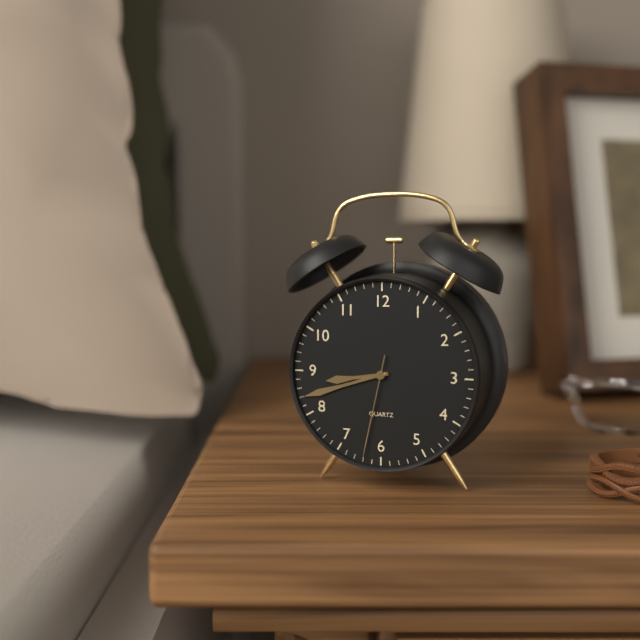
8:42:32
